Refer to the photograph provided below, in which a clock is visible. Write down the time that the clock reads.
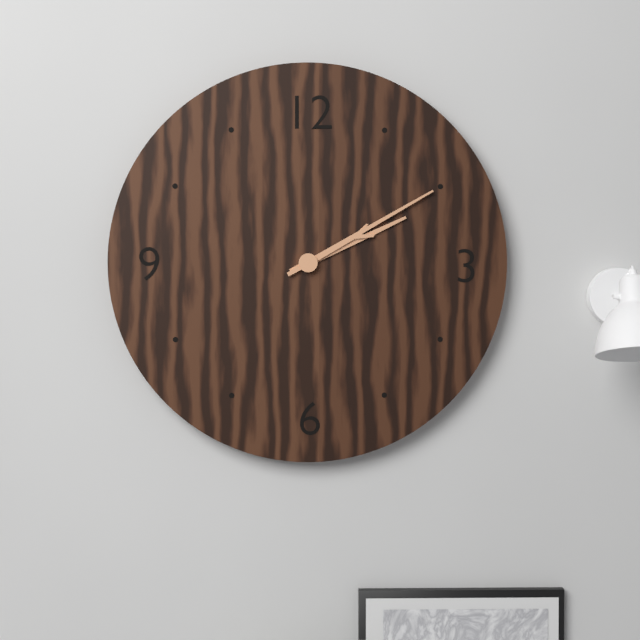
2:10
